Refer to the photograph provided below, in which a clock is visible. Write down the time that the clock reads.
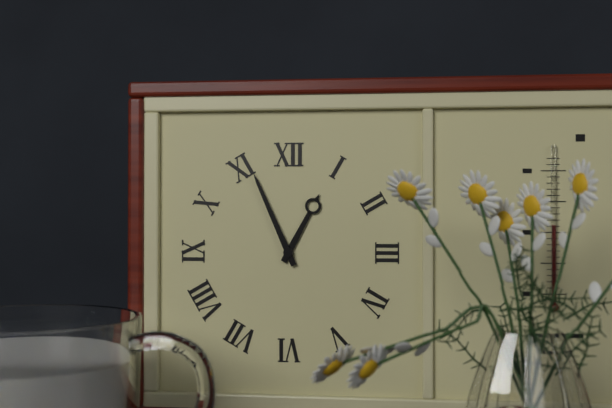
12:56
